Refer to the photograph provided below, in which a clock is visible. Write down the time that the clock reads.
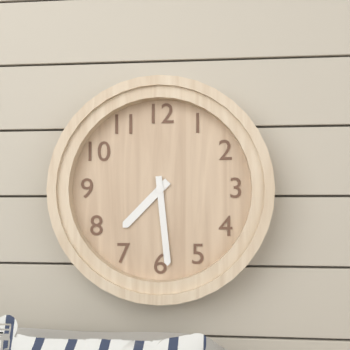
7:29
